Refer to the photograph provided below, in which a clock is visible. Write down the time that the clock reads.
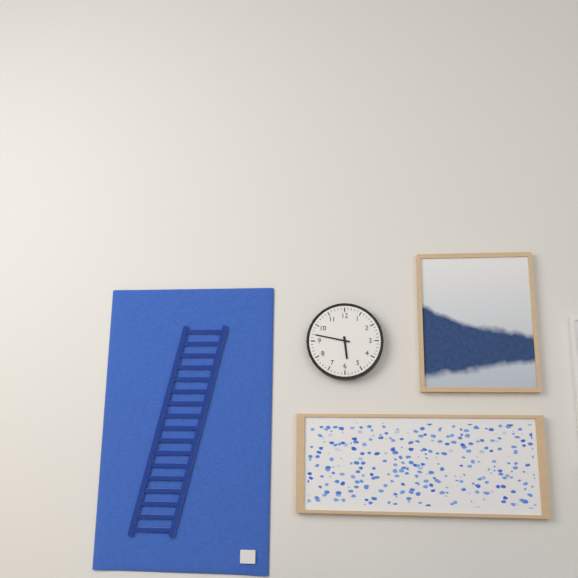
5:47
